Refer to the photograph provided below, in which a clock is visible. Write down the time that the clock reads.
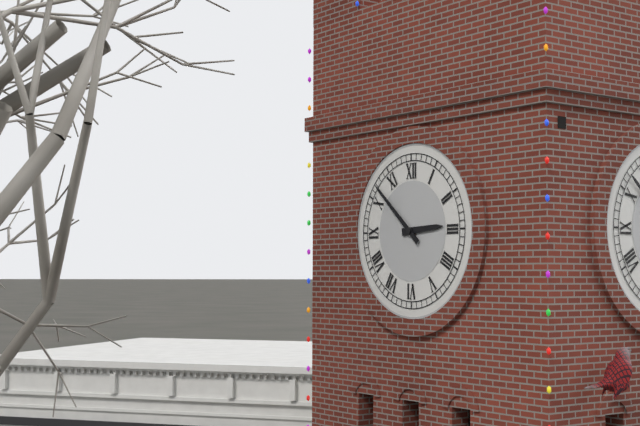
2:52
